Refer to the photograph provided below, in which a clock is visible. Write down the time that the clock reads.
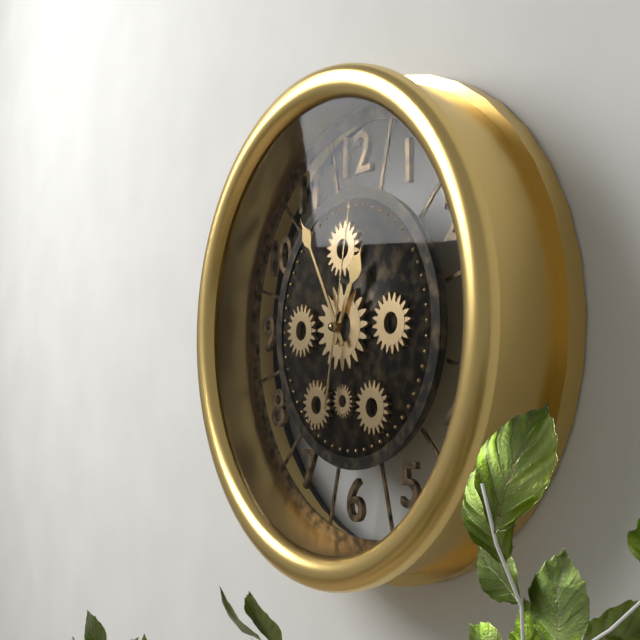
12:55:02
